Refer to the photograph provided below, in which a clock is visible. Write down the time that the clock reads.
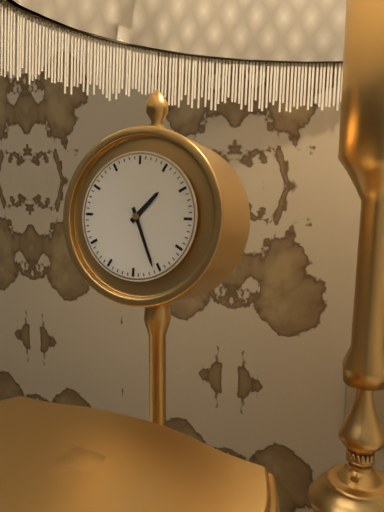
1:26
